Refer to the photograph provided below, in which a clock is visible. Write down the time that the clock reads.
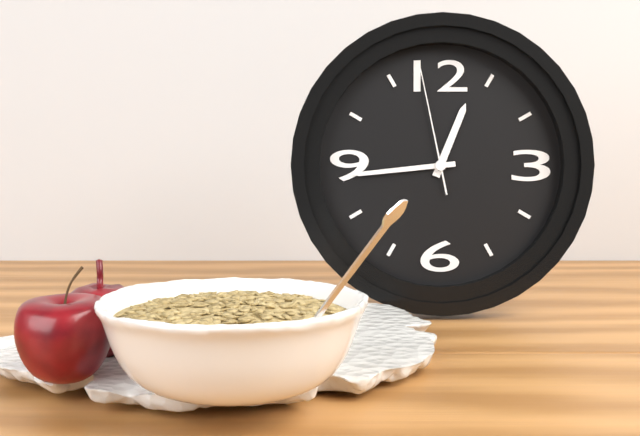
12:44:58
